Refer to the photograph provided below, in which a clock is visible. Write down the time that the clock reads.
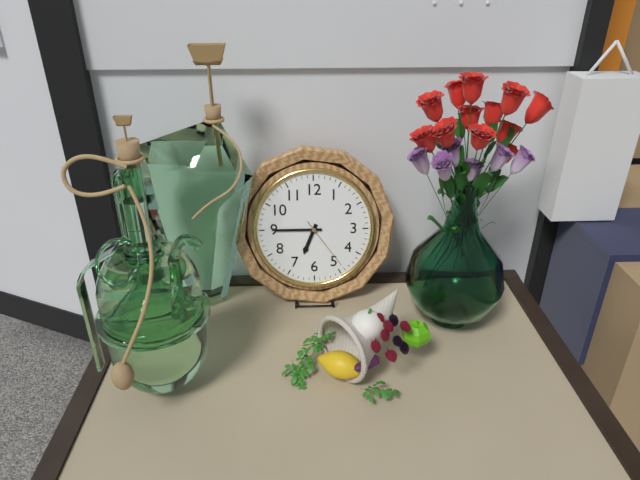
6:45:24
